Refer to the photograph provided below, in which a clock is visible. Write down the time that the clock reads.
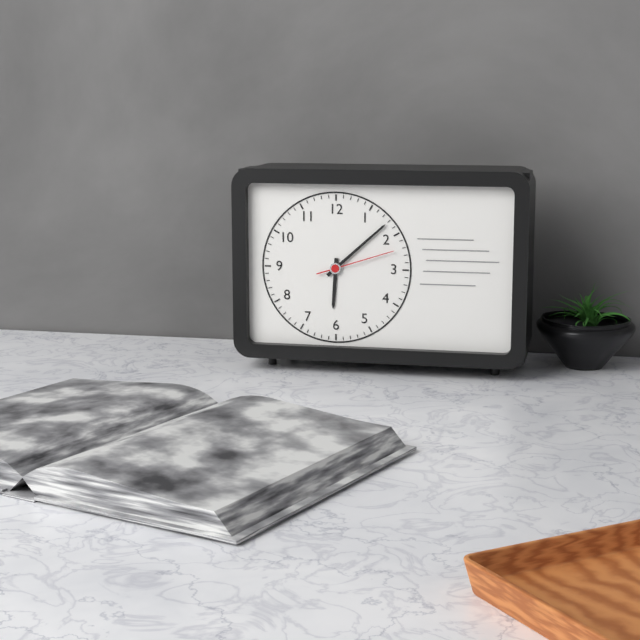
6:08:12
